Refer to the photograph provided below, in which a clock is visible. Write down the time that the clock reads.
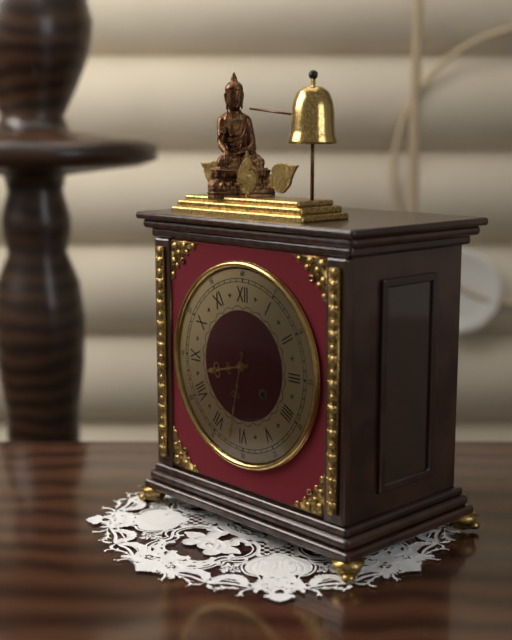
8:32
